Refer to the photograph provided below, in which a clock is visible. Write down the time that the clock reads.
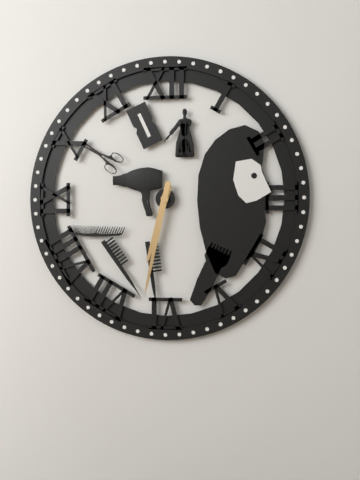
6:32
